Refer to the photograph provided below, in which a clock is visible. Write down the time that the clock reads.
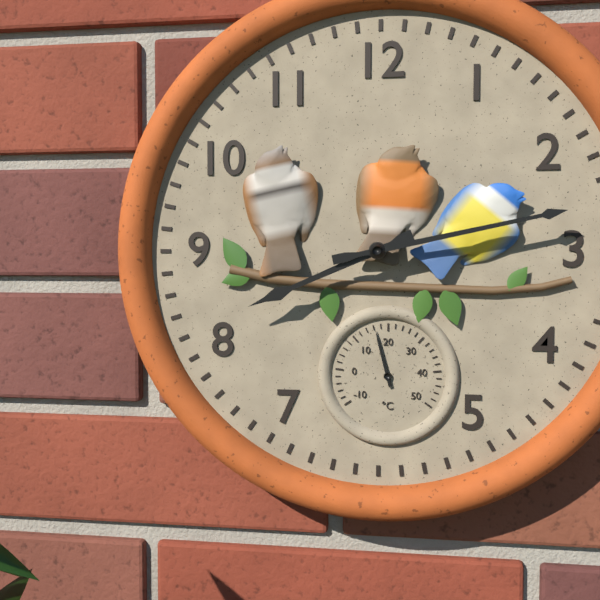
8:13
